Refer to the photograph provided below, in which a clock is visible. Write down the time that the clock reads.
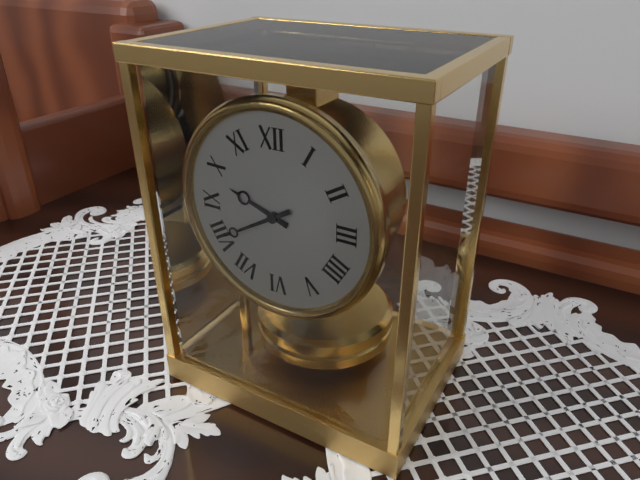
9:40
